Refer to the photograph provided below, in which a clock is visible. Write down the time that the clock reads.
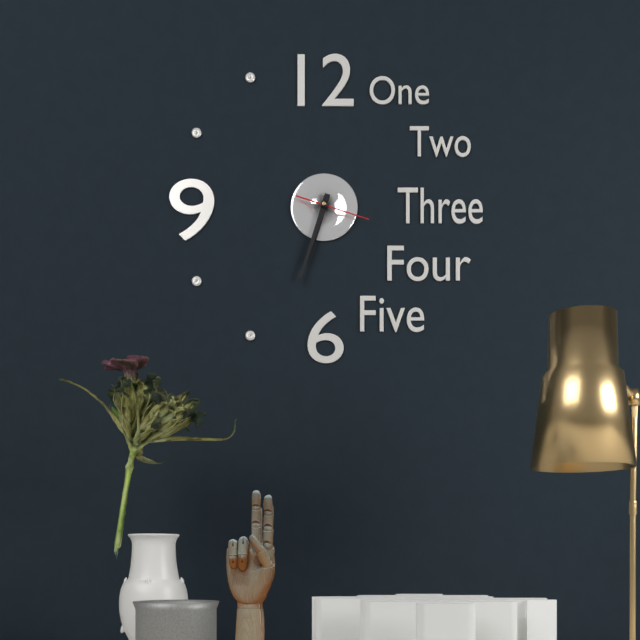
6:33:18
